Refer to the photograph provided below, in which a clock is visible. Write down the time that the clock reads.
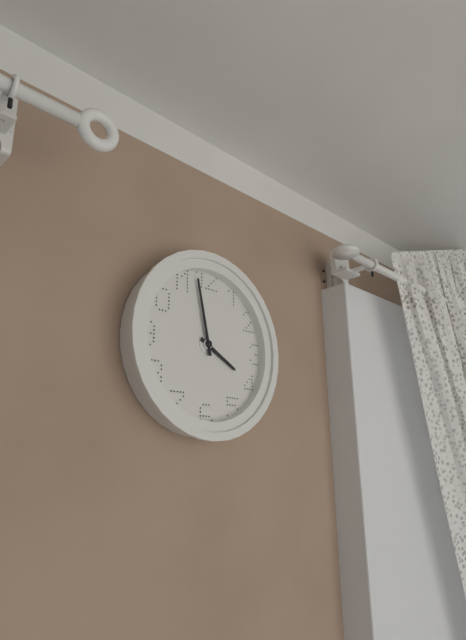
3:58
